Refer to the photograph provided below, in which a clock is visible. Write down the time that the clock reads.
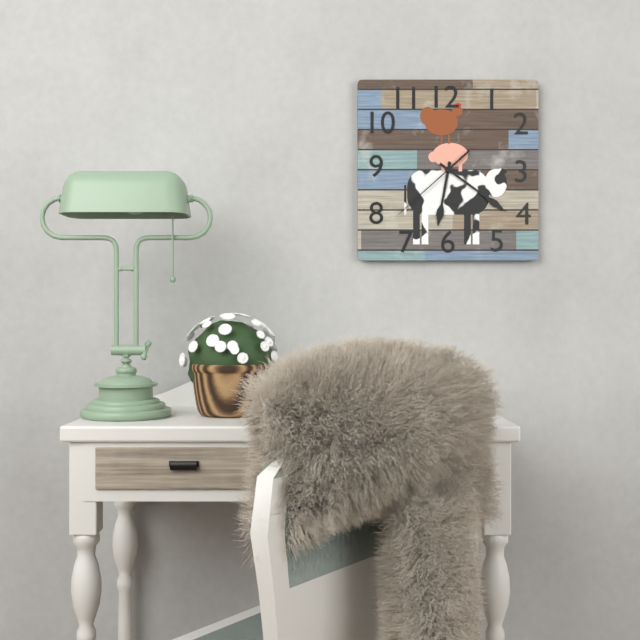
6:21:38
